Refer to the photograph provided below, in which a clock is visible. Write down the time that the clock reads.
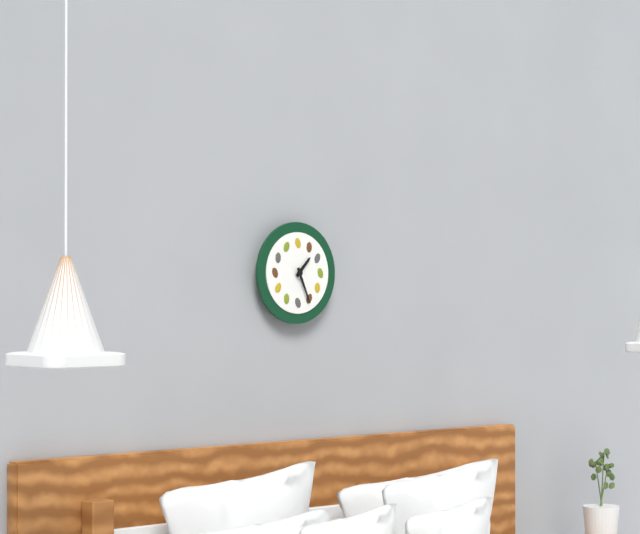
1:26
